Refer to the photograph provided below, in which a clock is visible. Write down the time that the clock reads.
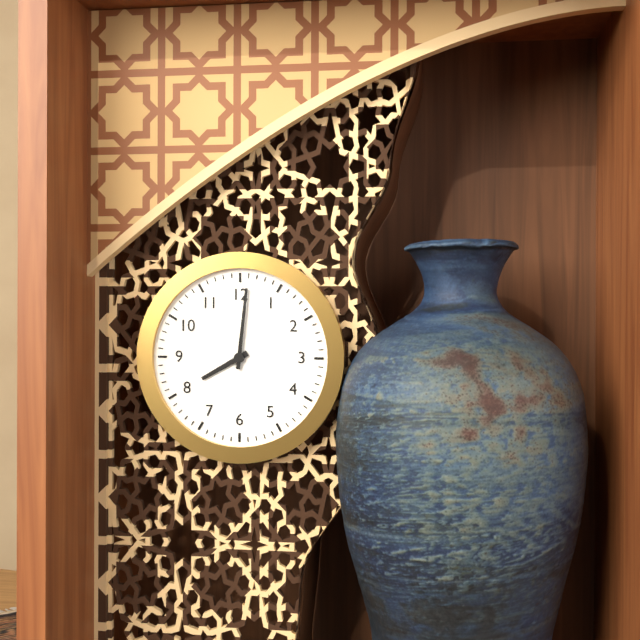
8:01
